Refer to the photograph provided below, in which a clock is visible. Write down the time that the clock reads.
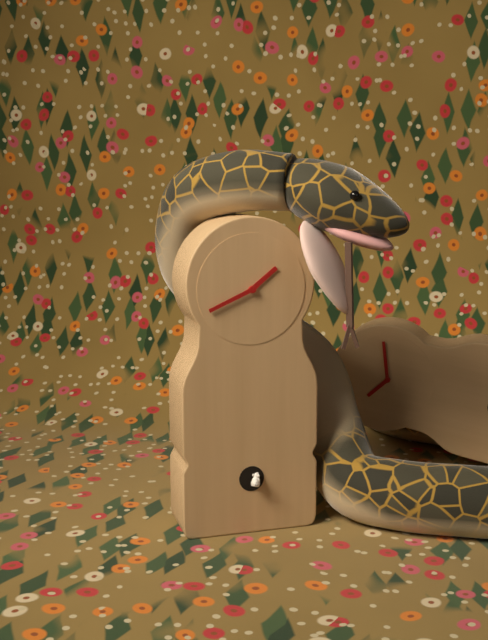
1:41
